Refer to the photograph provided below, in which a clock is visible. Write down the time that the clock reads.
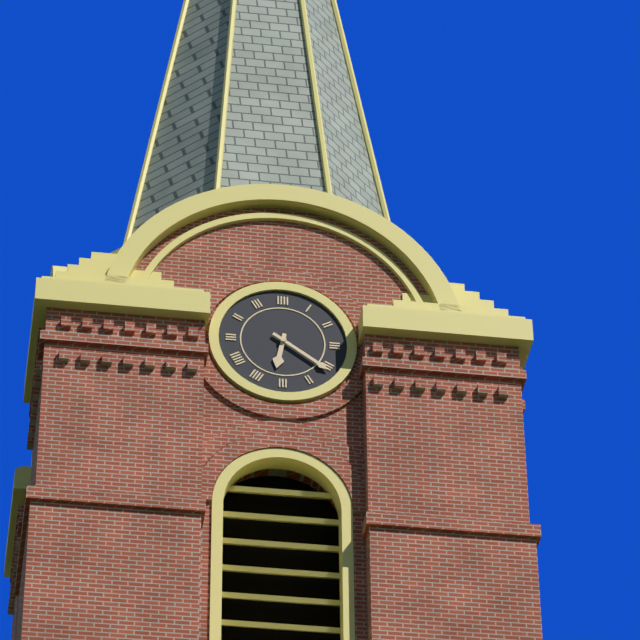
6:21
